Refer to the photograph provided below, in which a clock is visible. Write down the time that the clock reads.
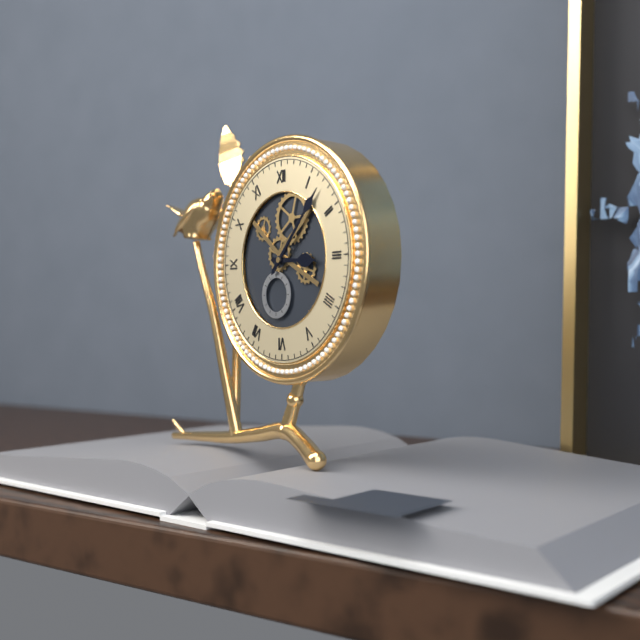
3:07
